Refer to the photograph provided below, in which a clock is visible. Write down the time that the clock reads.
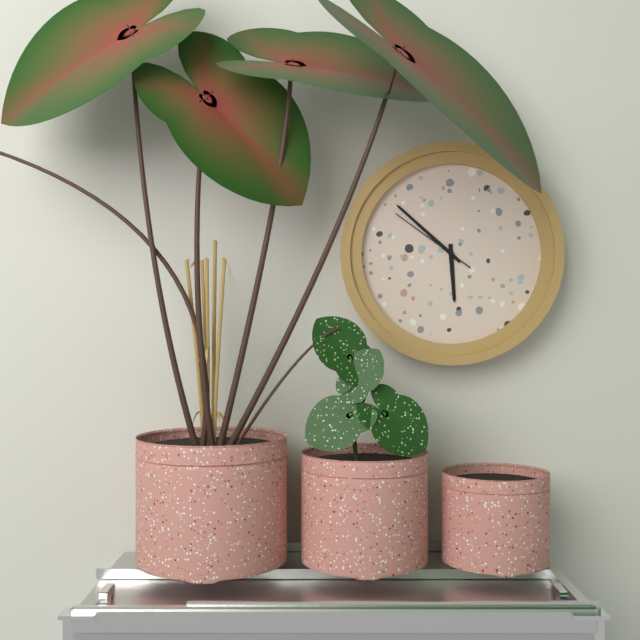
5:52:51
